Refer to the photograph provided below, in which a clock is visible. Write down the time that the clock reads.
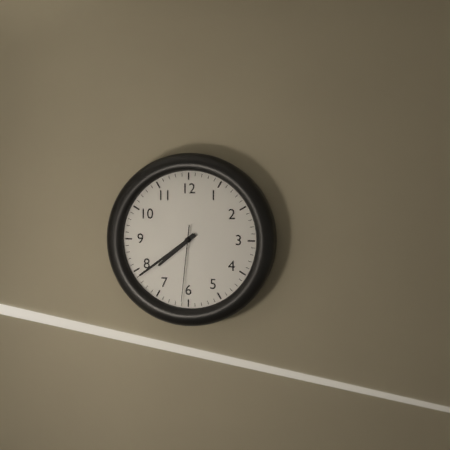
7:39:31
